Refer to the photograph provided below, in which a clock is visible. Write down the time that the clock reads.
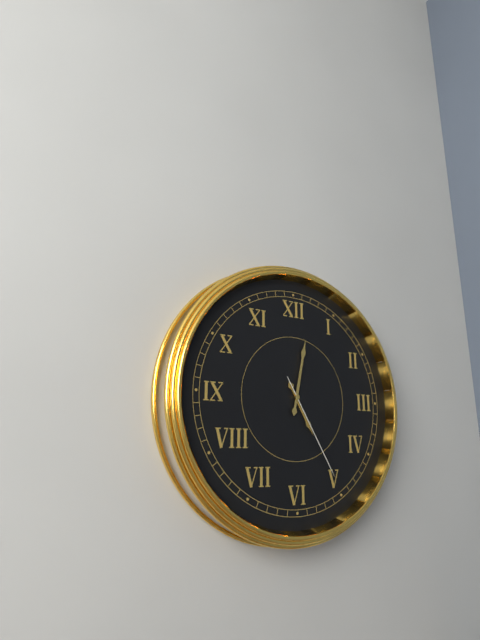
5:02:25
